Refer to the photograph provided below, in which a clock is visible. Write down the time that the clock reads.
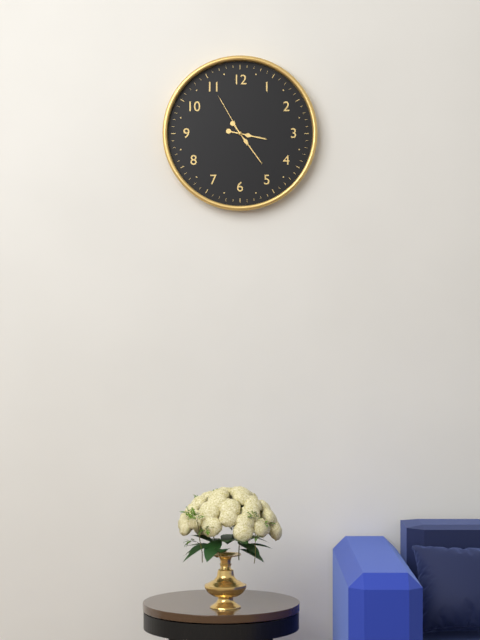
3:24:55
